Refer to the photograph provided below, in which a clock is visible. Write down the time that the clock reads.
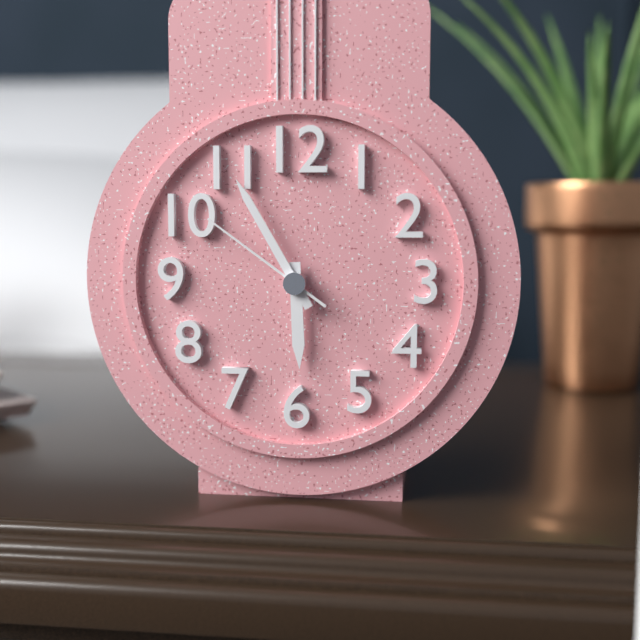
5:55:51
